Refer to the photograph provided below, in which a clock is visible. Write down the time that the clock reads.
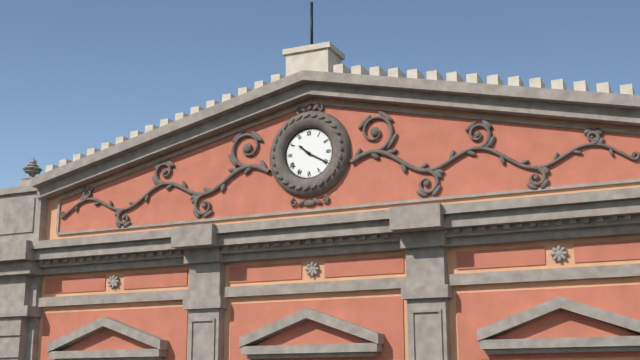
10:20
